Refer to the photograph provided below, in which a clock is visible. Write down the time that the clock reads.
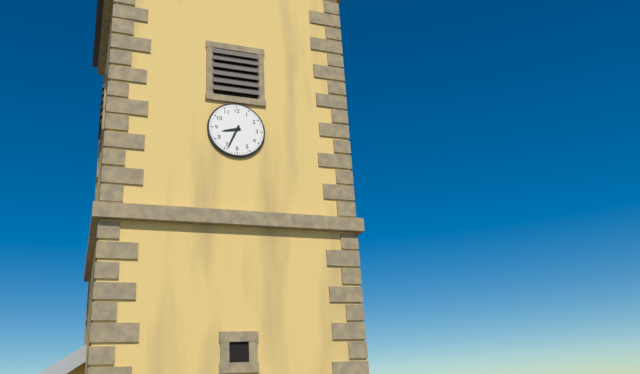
8:34
